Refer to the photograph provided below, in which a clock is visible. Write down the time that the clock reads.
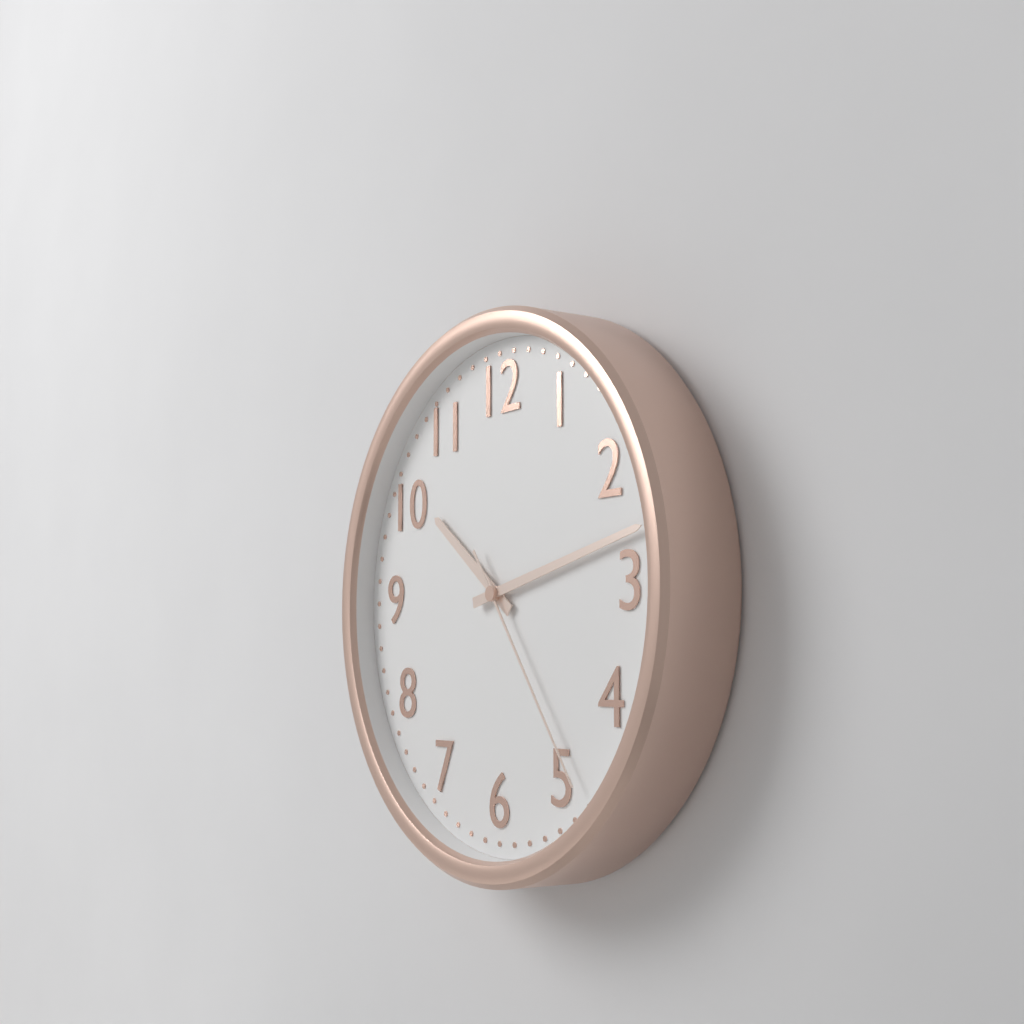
10:13:24
